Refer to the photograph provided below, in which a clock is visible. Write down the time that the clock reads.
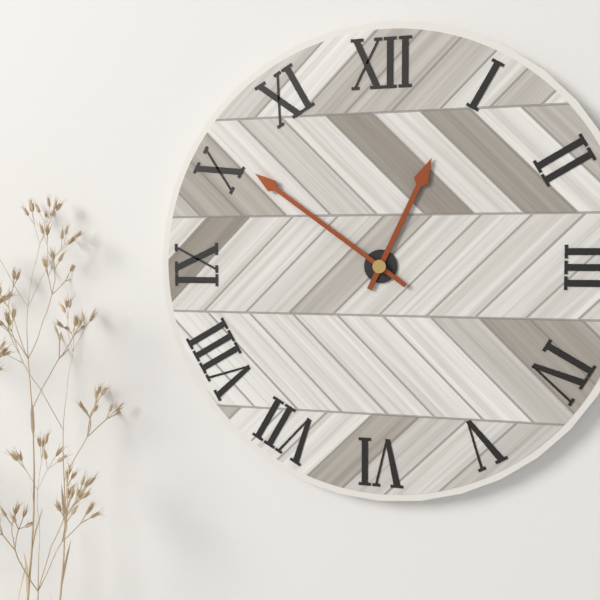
12:51
